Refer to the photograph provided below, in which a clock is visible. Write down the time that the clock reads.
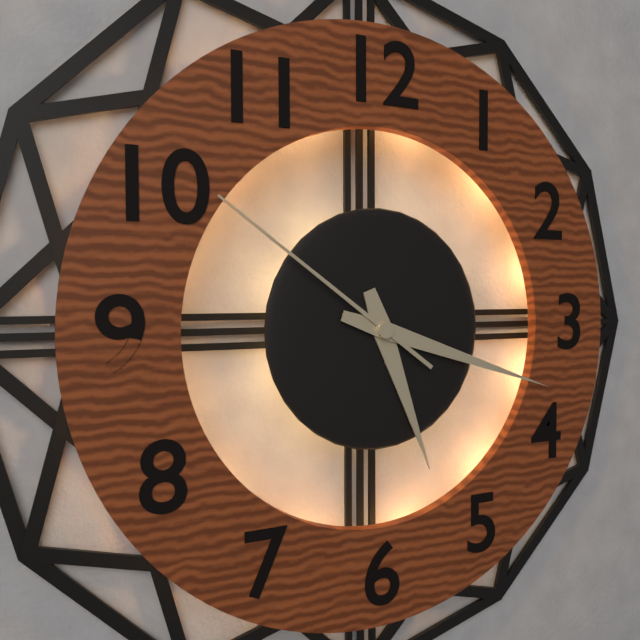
5:18:51
